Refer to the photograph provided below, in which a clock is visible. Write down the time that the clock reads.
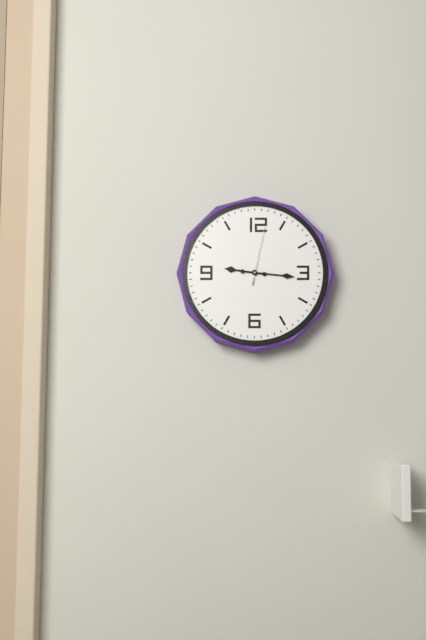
9:16:02
